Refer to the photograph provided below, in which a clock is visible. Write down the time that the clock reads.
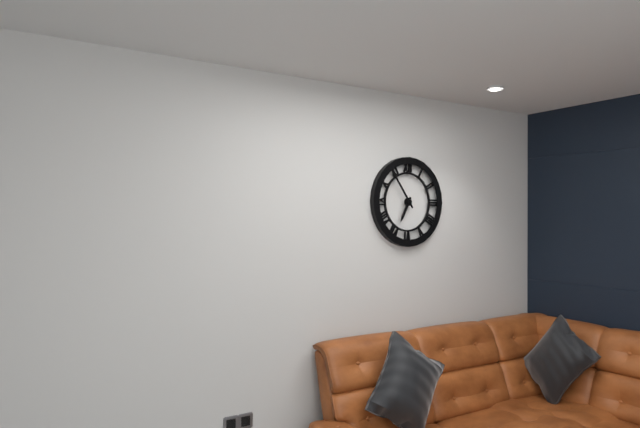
6:54
